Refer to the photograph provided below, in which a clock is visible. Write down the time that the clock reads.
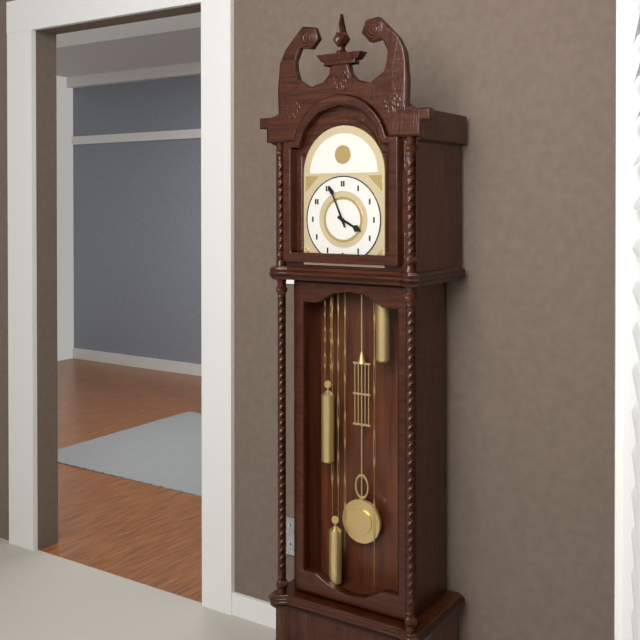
3:56
